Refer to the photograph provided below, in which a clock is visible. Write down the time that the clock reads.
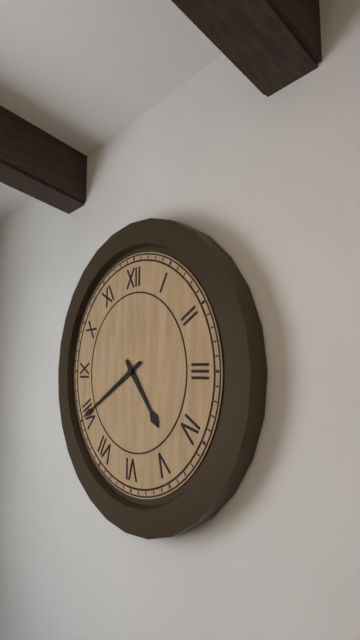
4:40
